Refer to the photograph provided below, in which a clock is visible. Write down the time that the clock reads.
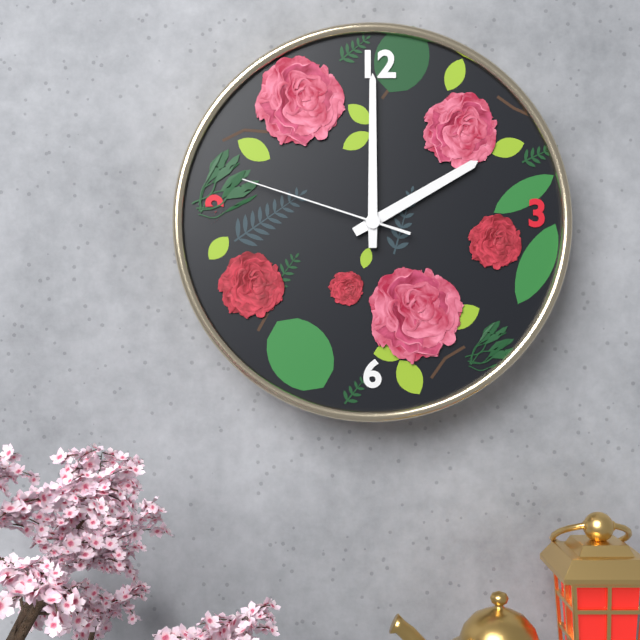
2:00:48
